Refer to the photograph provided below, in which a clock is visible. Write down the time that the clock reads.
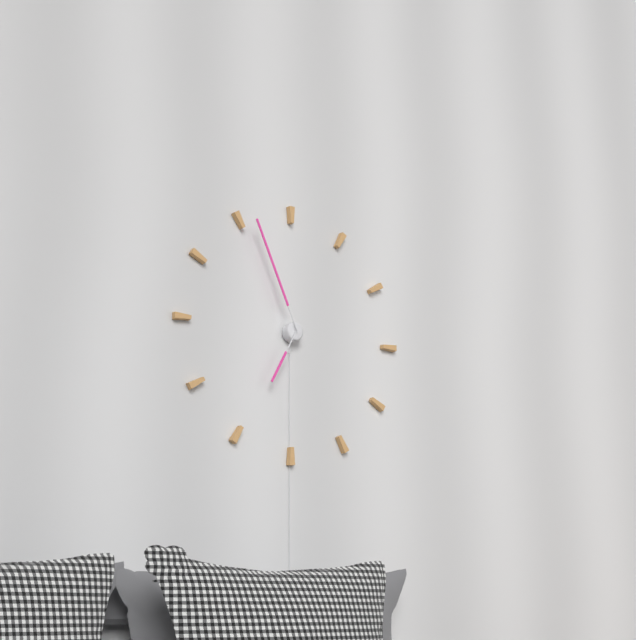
6:56
